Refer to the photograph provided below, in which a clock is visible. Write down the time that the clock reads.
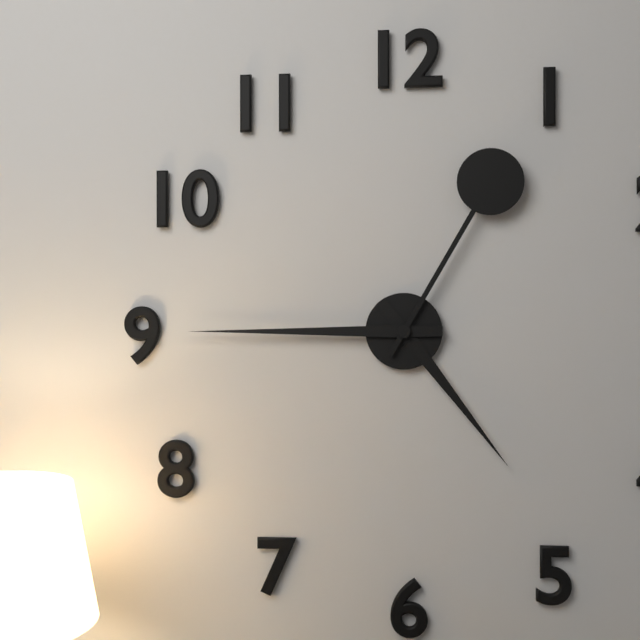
4:45:05
